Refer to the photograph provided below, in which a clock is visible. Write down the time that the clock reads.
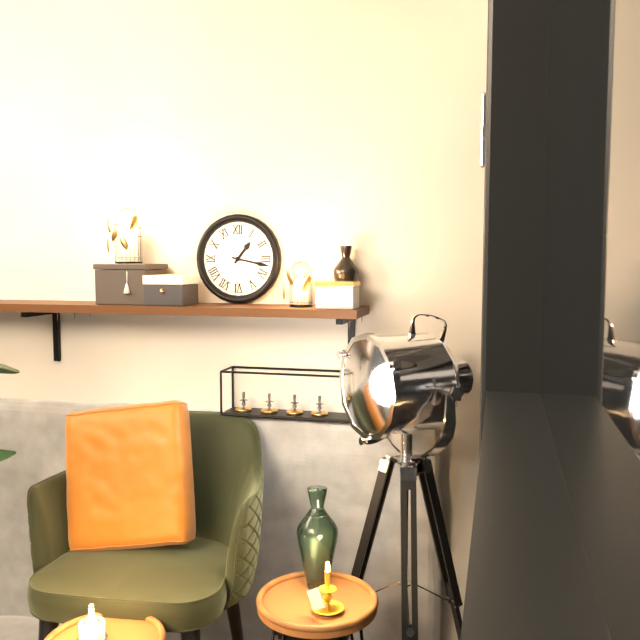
1:17
